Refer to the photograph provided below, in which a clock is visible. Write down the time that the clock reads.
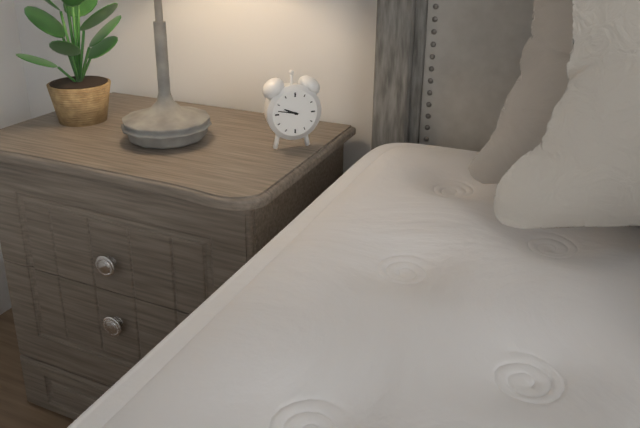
9:47
